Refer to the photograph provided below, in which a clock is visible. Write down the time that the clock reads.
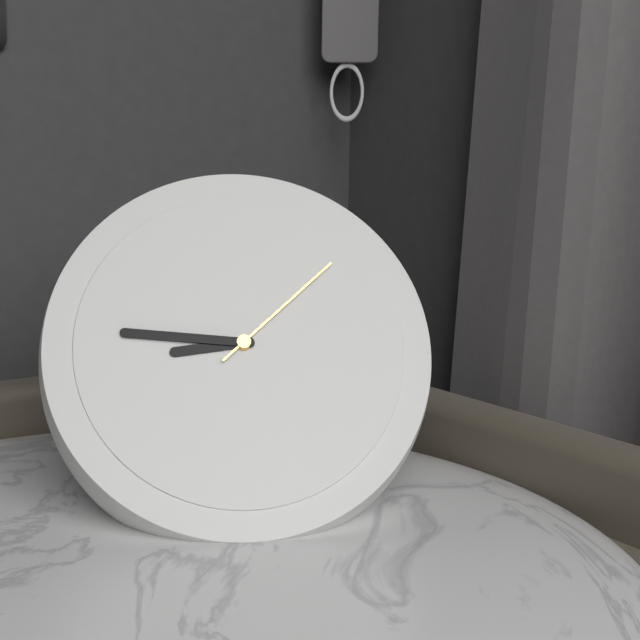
8:46:08
